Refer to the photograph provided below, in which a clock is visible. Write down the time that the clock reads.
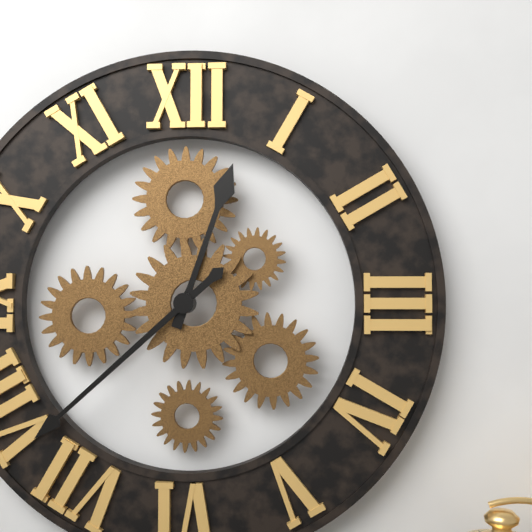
12:38
